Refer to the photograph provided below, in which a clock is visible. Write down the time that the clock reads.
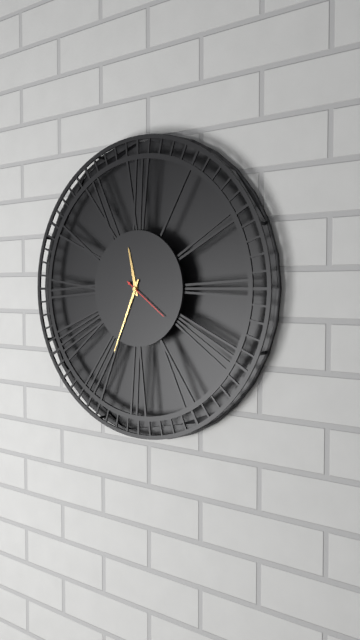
11:34
